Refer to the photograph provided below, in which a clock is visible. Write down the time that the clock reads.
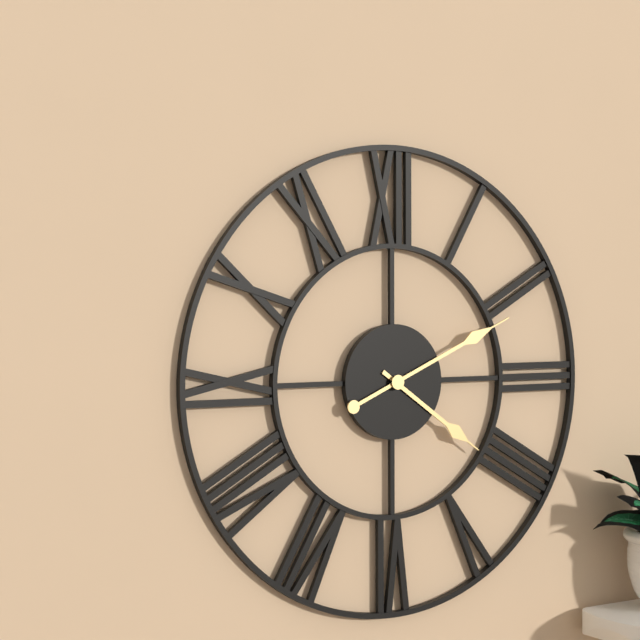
4:11
